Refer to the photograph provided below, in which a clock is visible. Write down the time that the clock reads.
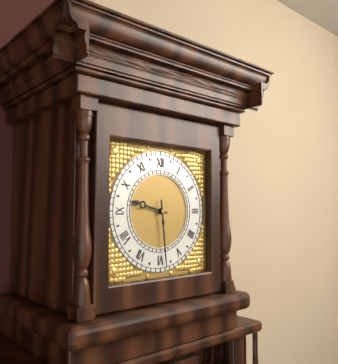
9:29
